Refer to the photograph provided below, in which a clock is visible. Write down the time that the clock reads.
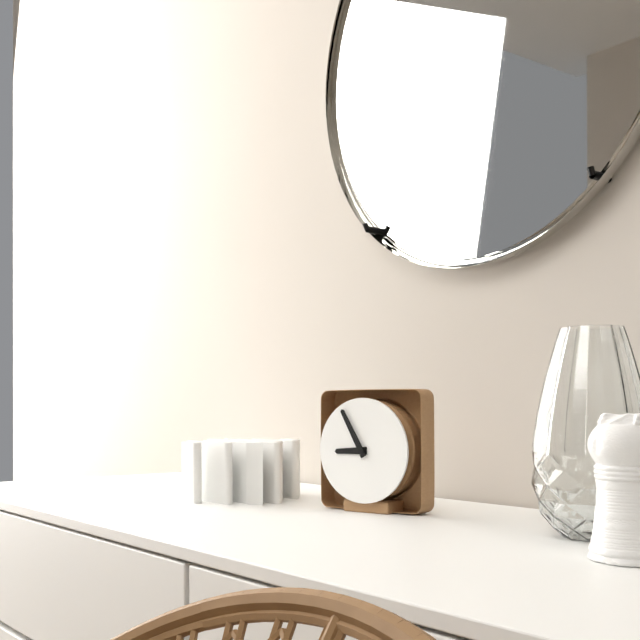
8:55
